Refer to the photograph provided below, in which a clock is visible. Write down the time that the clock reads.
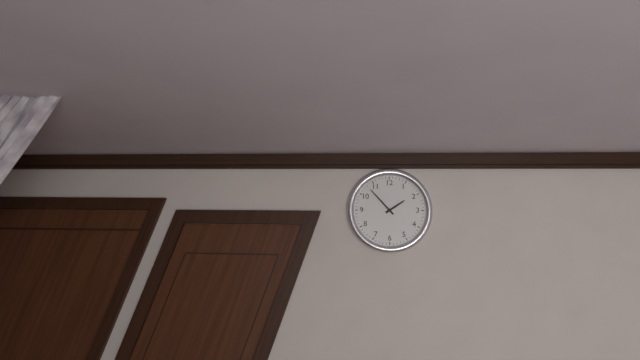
1:53
